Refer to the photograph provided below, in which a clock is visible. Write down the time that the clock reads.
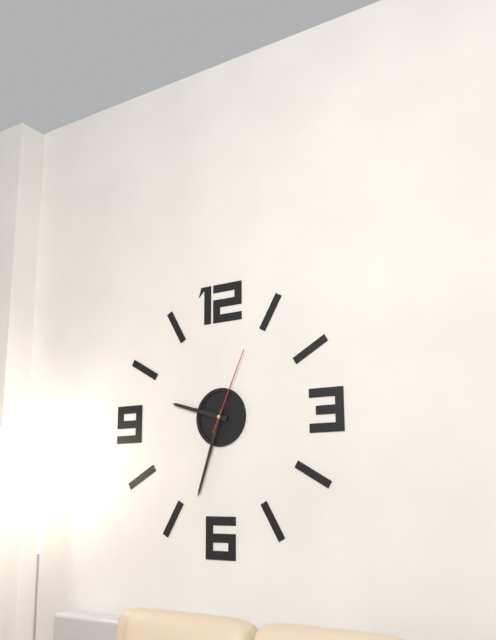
9:33:04
